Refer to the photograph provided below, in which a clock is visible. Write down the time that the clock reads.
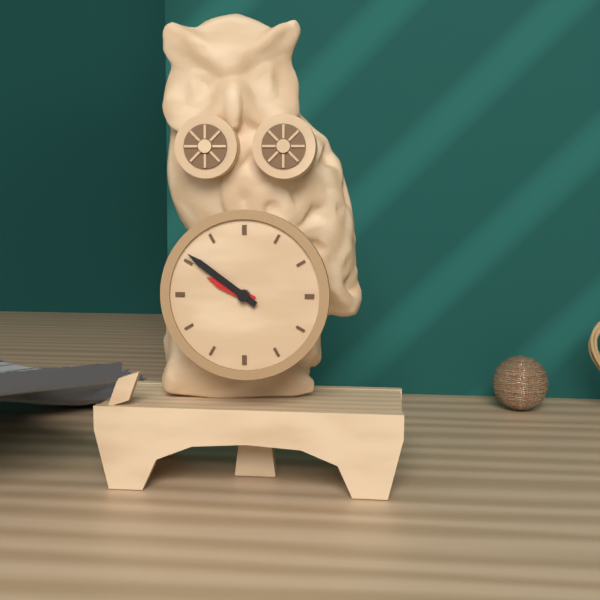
9:51
